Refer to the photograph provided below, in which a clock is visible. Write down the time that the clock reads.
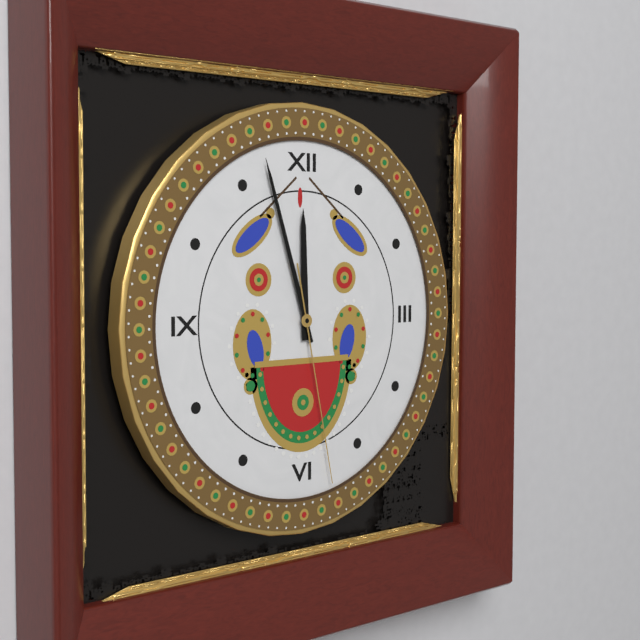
11:57:28
